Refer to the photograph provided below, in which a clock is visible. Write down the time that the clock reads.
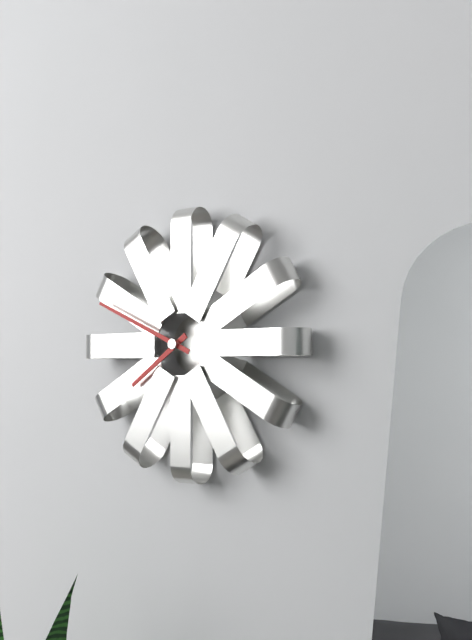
7:49
